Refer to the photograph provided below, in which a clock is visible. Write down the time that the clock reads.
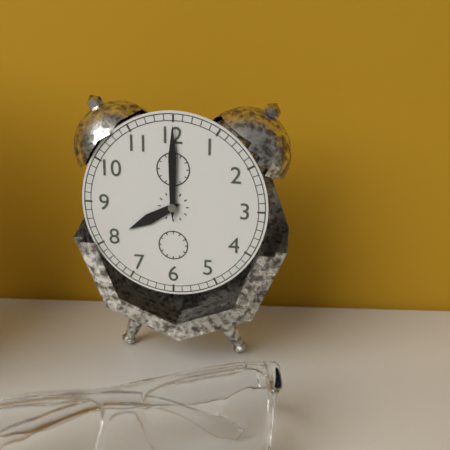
8:00
